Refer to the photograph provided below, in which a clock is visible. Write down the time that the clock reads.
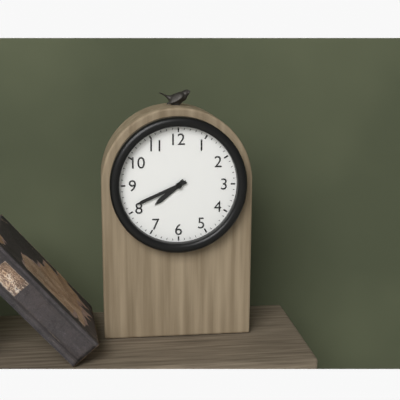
7:41
